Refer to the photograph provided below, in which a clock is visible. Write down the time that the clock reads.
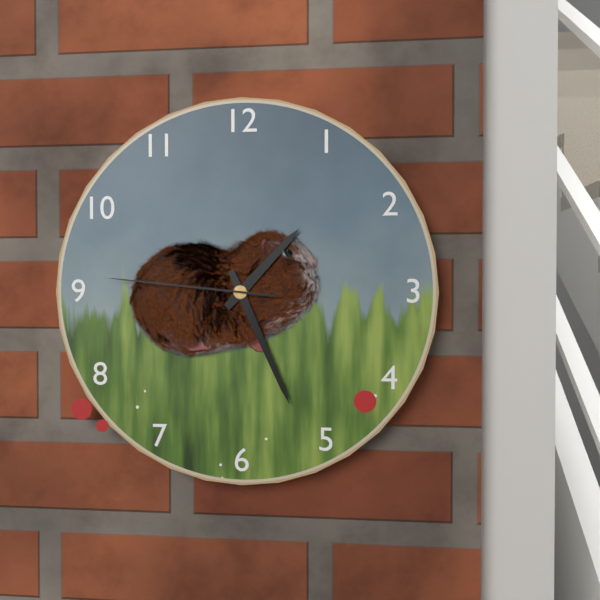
1:26:46
